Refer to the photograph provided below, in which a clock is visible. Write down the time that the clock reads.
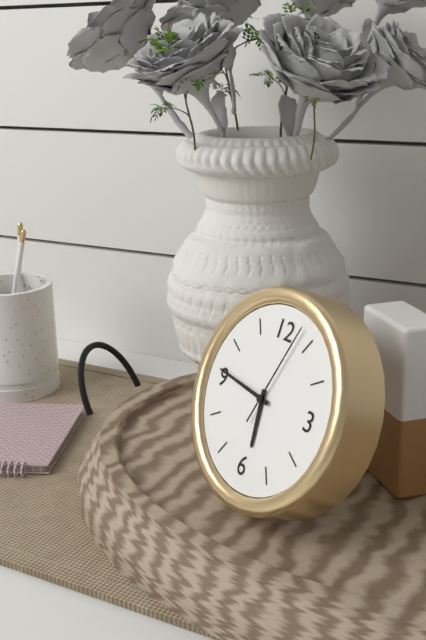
5:46:03
